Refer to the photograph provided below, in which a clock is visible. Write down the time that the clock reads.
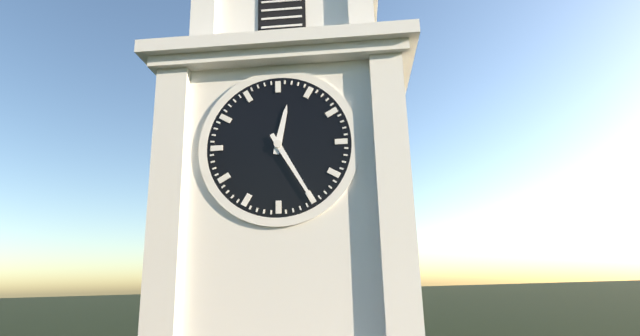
12:25
